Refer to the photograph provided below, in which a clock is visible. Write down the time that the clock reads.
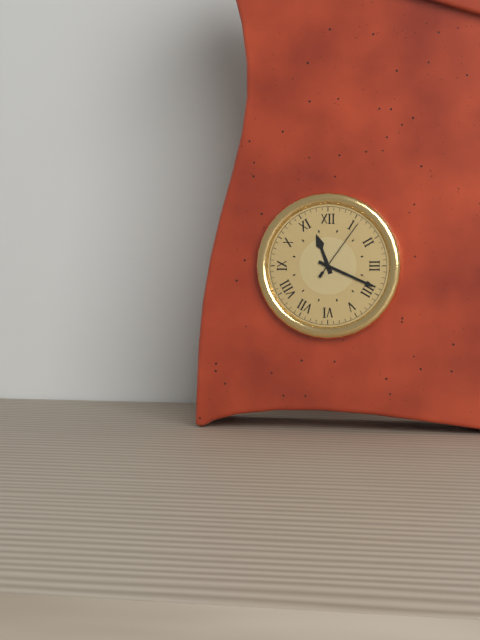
11:19:06
